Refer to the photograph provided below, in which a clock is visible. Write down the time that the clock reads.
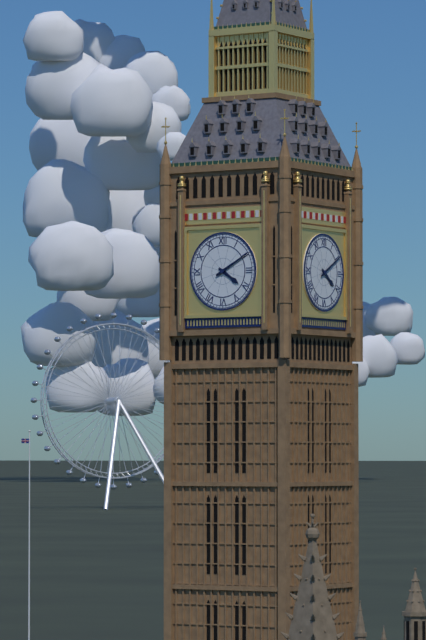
4:10
